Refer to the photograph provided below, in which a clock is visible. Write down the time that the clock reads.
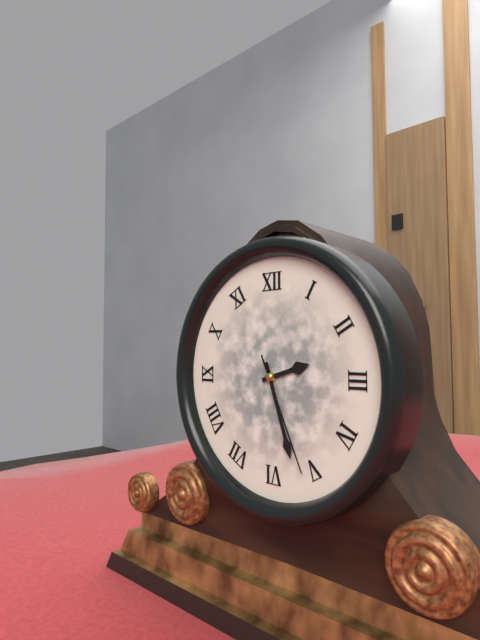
2:27:26
